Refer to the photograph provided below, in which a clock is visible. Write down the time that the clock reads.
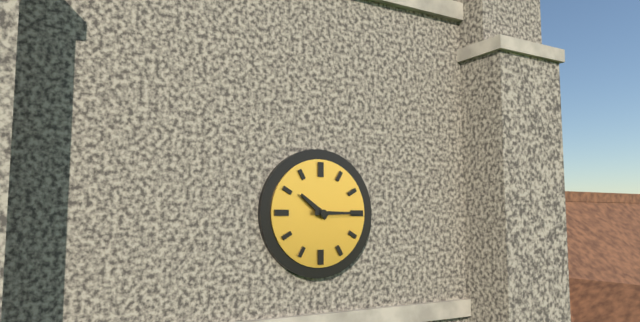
10:15
